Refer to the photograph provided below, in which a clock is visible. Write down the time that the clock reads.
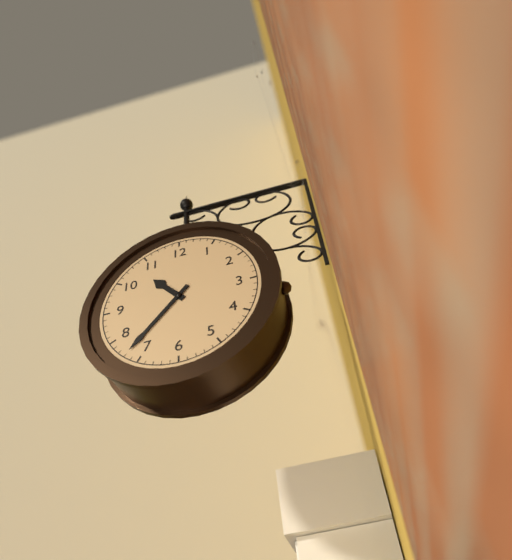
10:37
